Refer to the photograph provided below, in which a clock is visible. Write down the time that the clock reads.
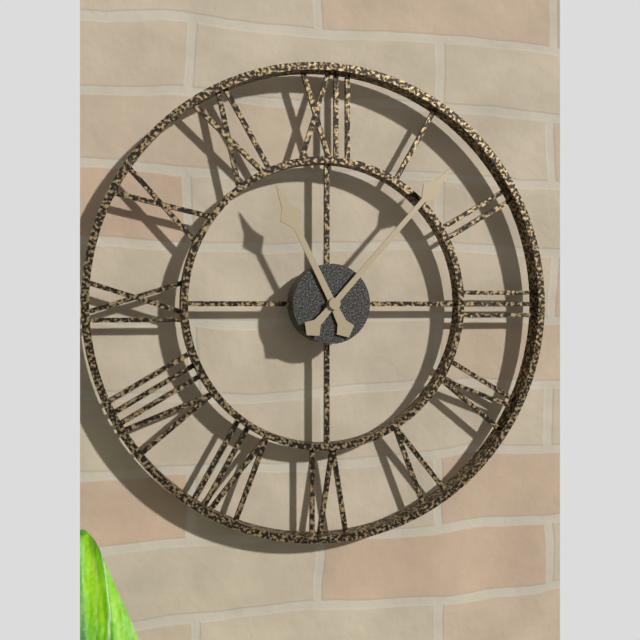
11:07
